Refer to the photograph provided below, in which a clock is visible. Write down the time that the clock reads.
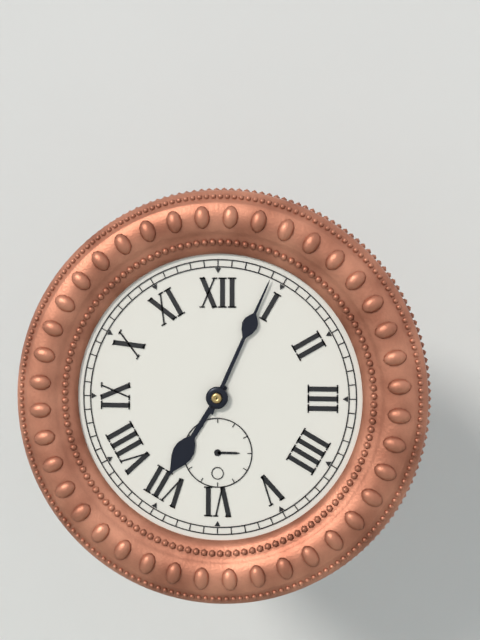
7:04
